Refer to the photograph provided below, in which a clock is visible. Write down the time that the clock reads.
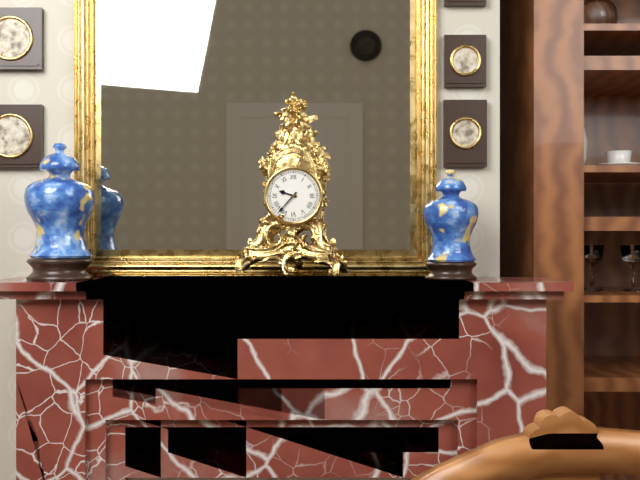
9:37
